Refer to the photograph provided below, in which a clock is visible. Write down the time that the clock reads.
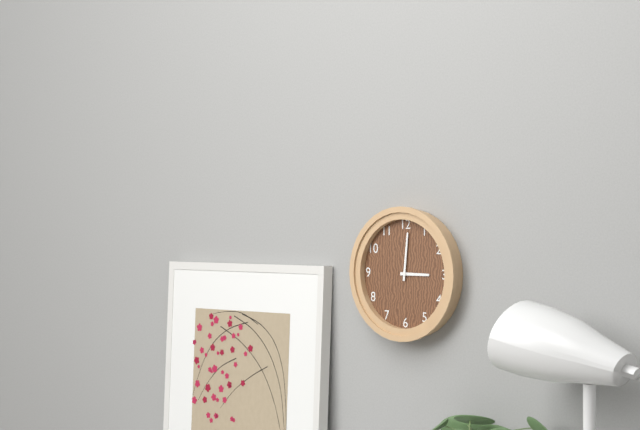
3:01
